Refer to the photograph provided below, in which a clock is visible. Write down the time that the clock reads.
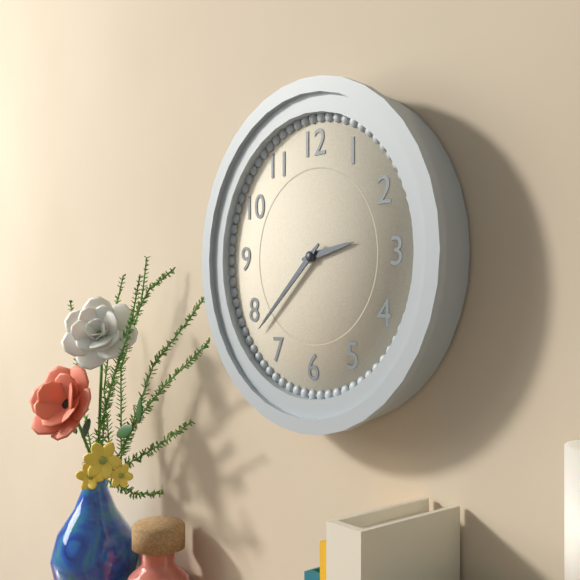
2:38
